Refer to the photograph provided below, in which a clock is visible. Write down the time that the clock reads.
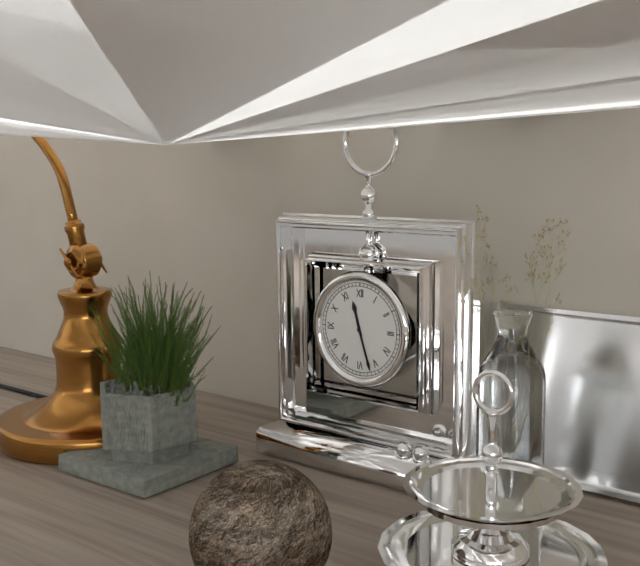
11:27
